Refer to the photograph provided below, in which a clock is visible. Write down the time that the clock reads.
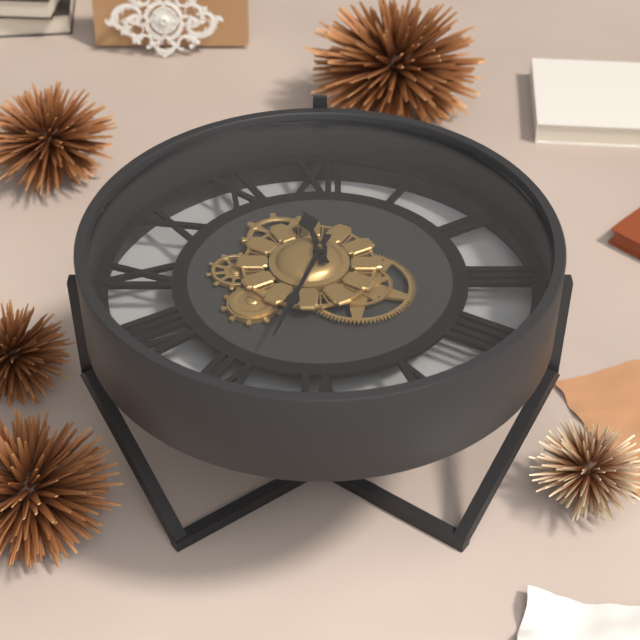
11:33
